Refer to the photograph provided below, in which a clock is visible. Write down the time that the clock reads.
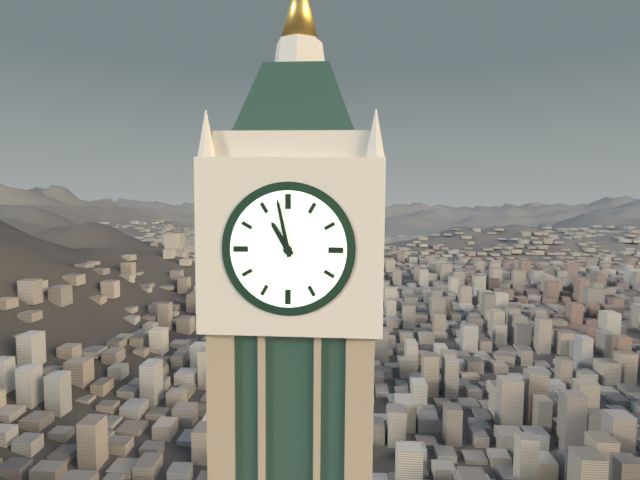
10:58
